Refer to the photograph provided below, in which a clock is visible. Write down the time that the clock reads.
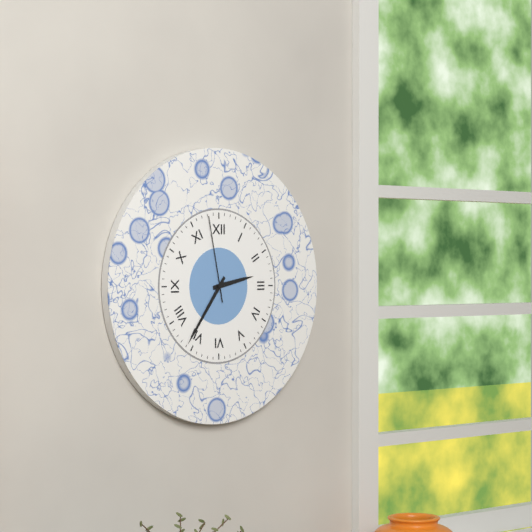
2:36:58
